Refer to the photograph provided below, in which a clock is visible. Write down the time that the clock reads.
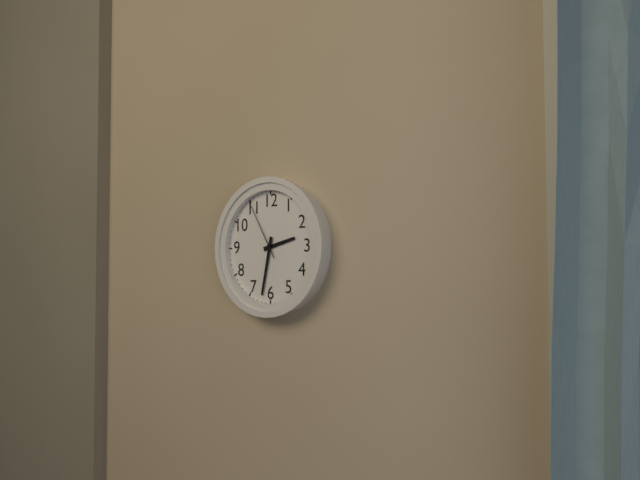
2:32:55
